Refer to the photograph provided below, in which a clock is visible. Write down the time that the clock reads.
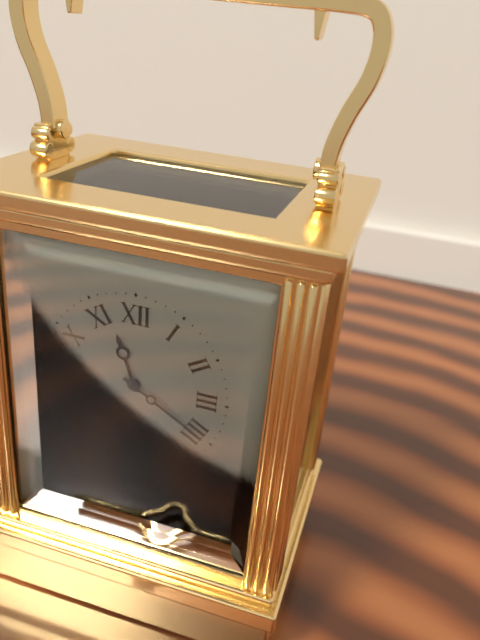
11:20
